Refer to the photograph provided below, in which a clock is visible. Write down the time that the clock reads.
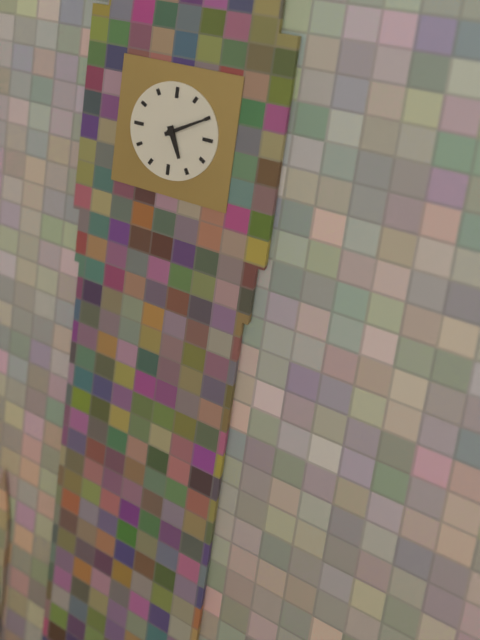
5:10
